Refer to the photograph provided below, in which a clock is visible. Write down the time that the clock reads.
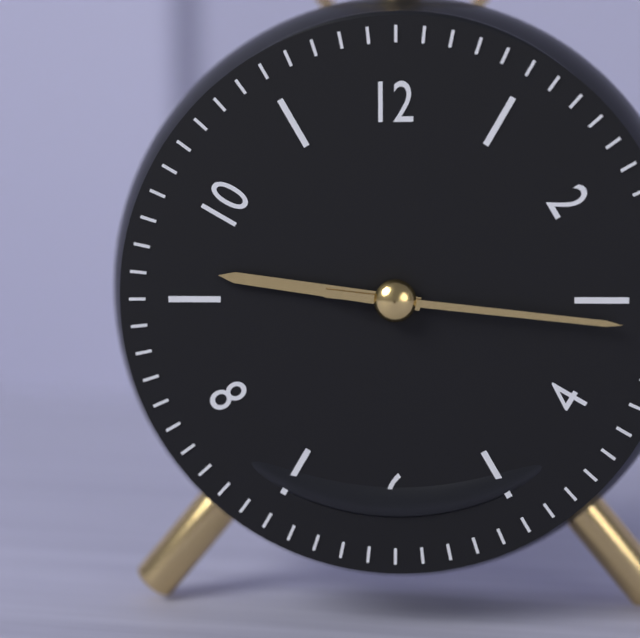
9:16
